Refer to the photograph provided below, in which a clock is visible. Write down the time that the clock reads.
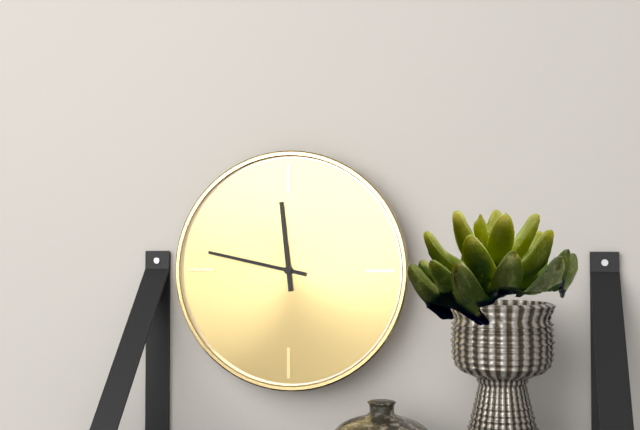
11:47
